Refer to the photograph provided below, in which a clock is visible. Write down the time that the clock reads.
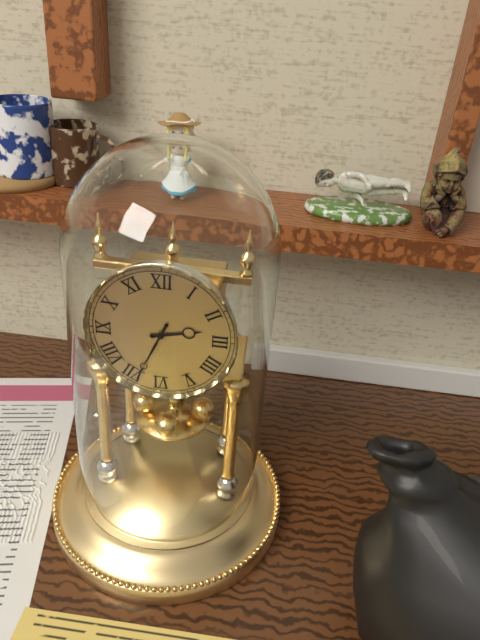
2:34
